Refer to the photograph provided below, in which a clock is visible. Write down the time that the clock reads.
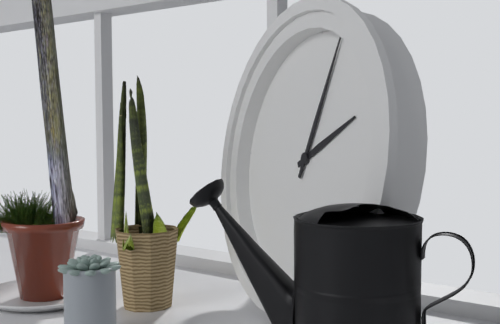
2:03
